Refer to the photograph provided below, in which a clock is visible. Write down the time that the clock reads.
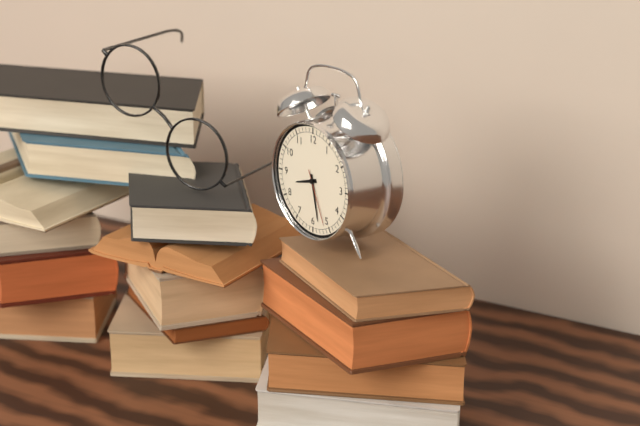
8:28:26
